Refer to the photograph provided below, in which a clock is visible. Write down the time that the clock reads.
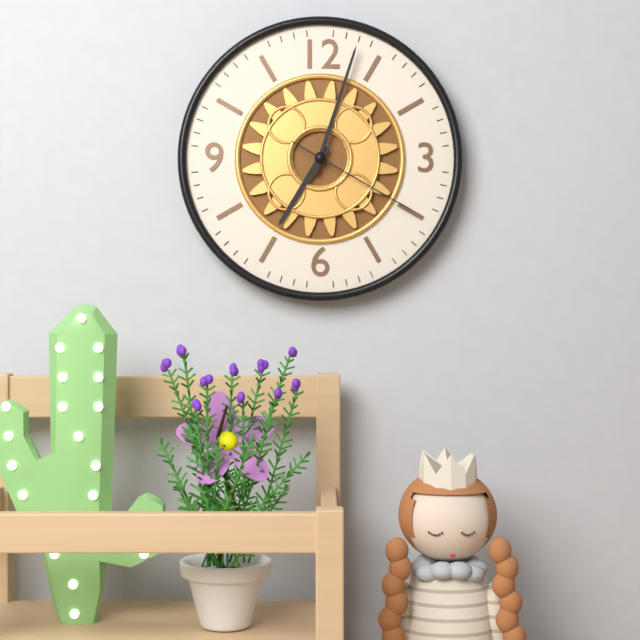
7:03:20
